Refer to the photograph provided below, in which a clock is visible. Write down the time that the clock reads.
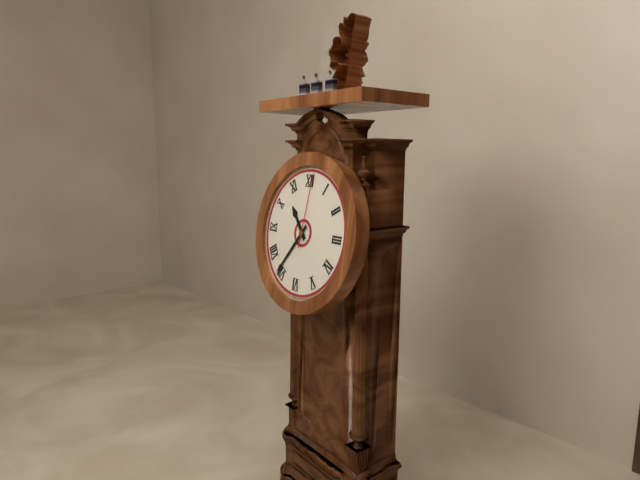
10:36:01
